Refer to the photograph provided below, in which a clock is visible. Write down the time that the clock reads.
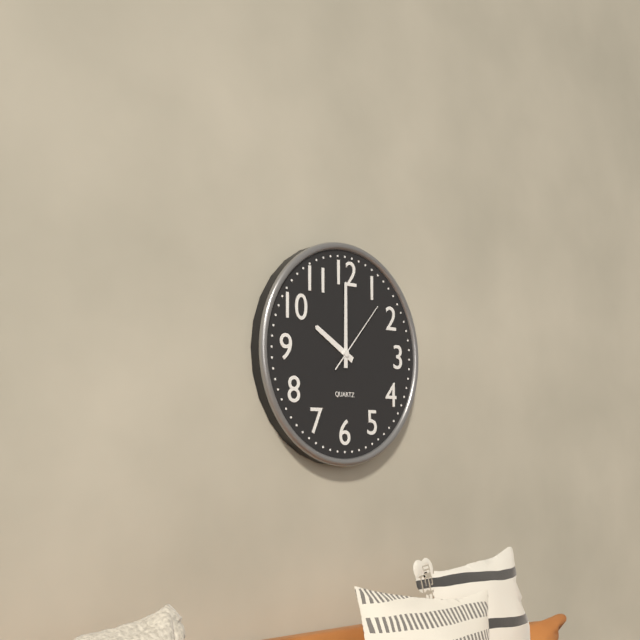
10:00:07
